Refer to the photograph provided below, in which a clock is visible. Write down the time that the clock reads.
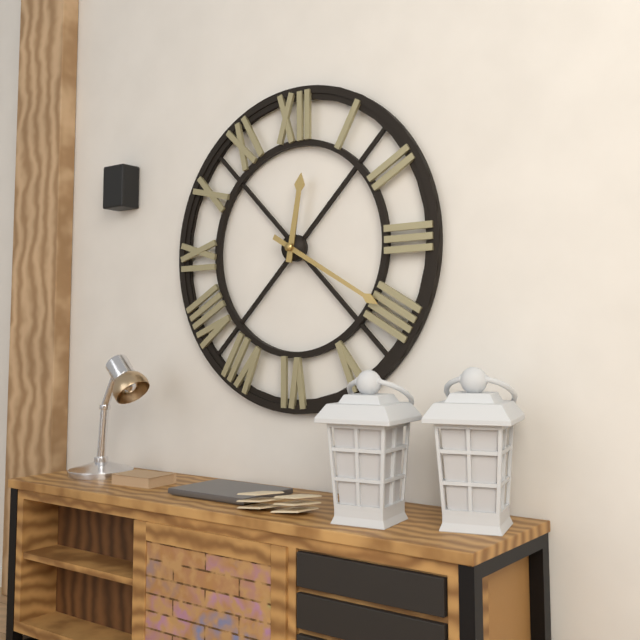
12:20
